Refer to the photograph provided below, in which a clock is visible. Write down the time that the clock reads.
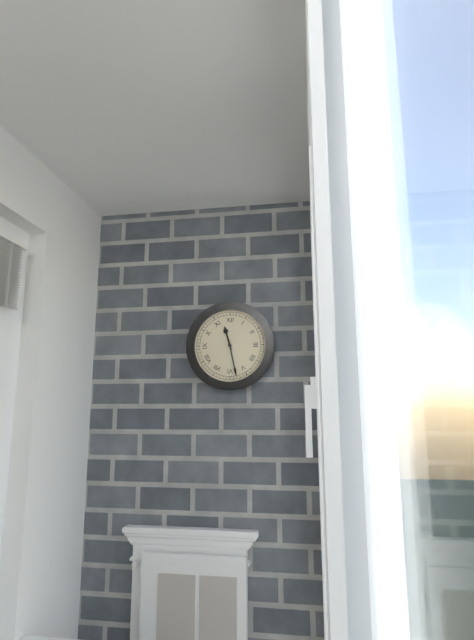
11:28
